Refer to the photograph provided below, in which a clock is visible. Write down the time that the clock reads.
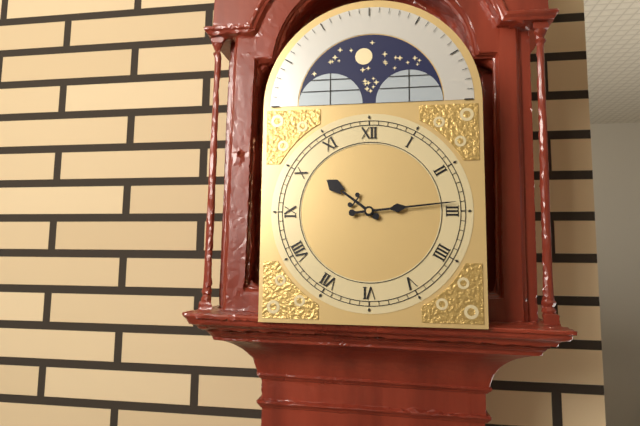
10:14
